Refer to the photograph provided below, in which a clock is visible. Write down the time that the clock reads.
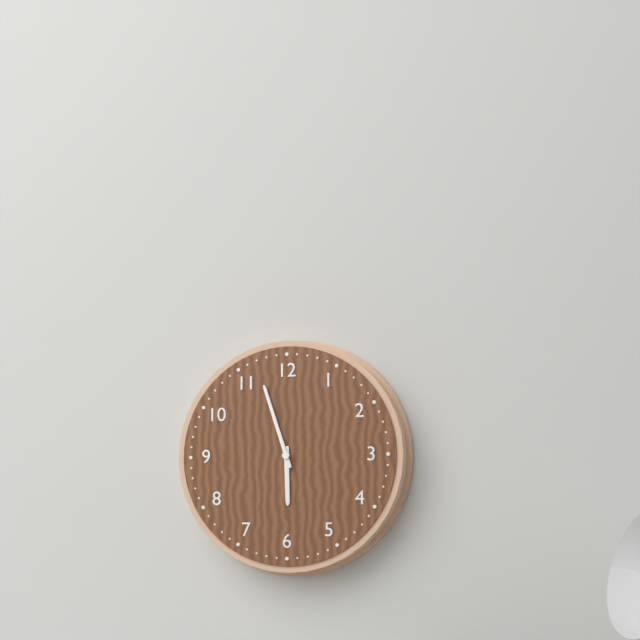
5:57
